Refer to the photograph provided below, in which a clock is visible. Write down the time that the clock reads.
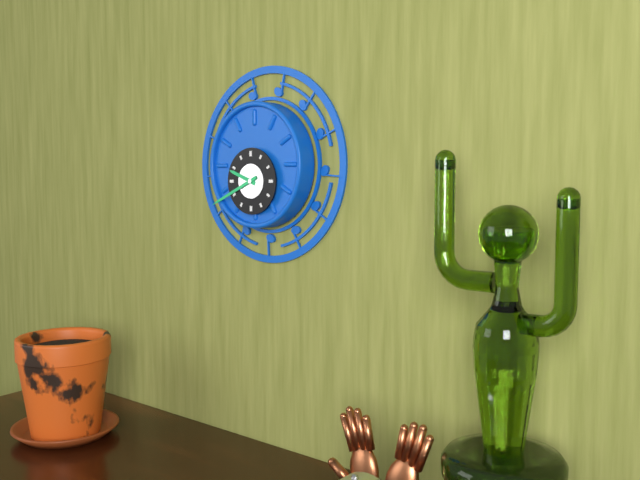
9:41
